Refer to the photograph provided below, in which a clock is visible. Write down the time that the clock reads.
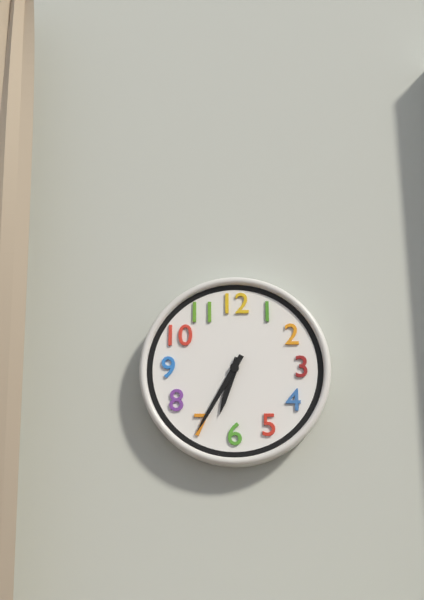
6:35
